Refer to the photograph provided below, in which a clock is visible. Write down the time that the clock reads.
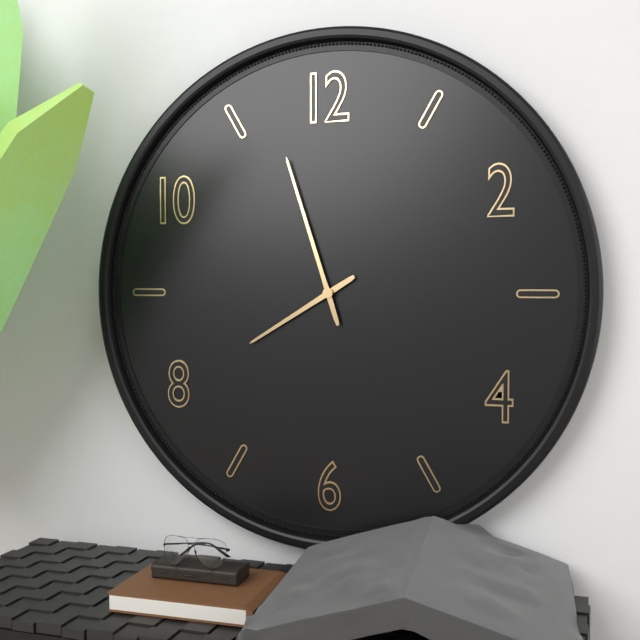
7:57
